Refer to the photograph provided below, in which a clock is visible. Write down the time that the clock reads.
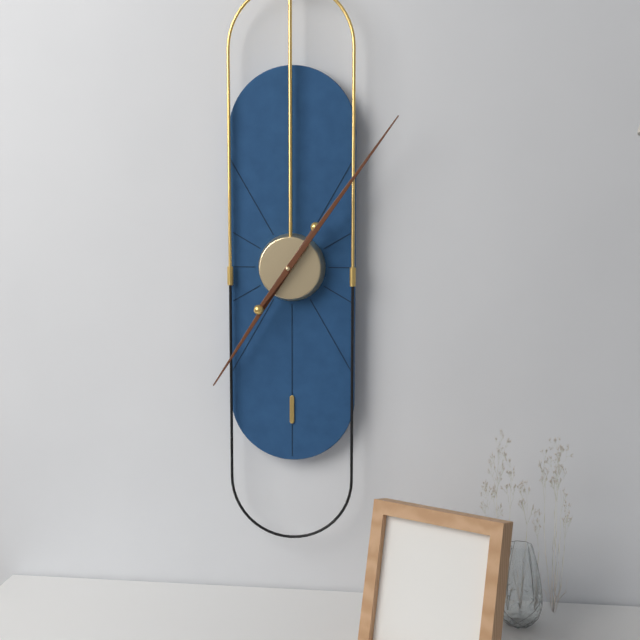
7:06
